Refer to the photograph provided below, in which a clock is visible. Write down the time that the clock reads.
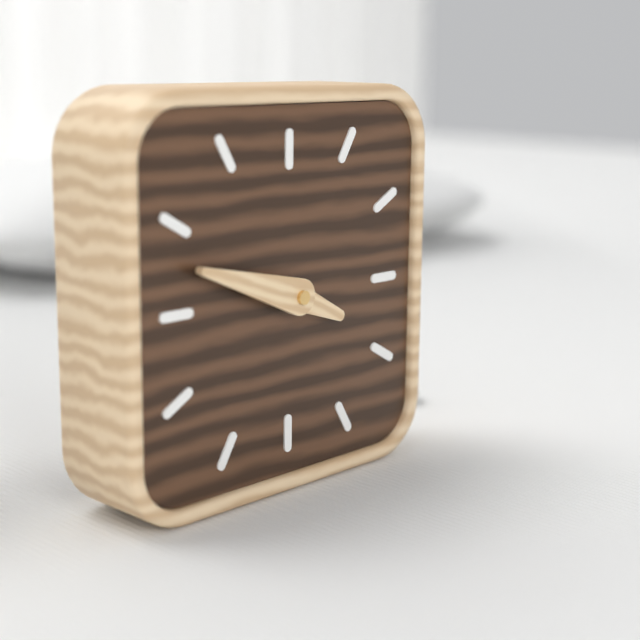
3:48
